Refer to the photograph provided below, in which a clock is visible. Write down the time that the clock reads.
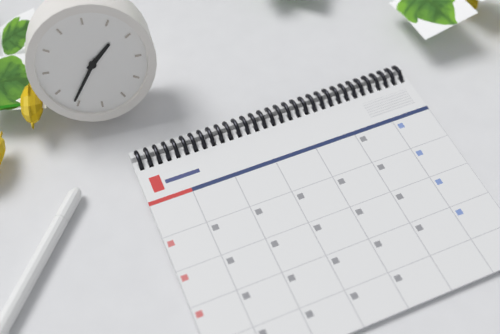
1:36
